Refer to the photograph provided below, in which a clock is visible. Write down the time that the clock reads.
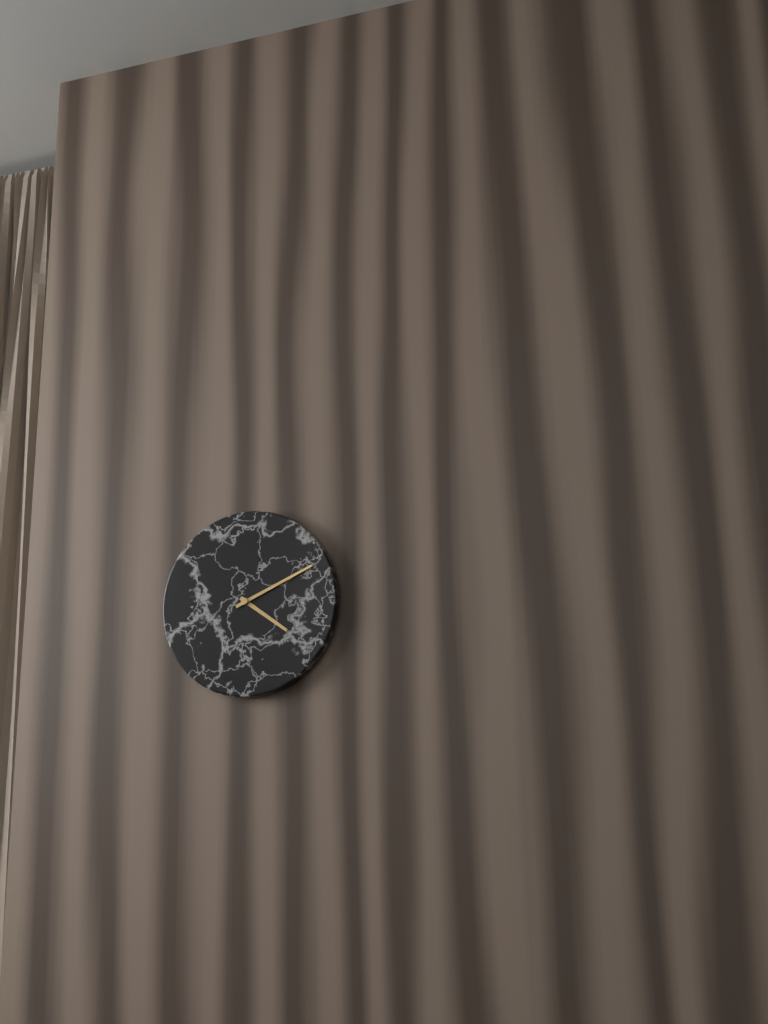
4:11
